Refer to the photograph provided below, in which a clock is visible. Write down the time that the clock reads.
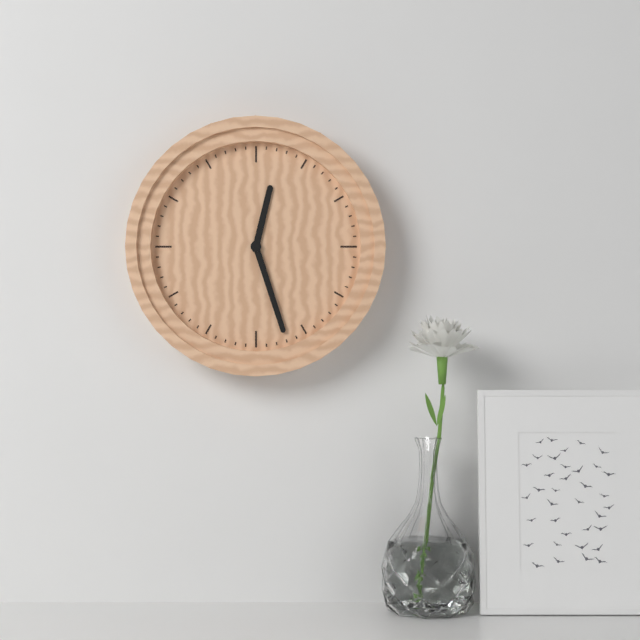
12:27
